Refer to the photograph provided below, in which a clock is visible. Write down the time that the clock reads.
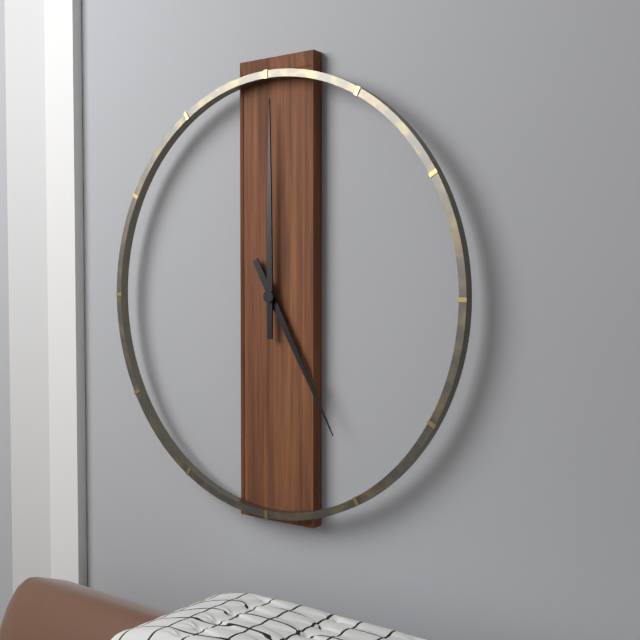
5:00
